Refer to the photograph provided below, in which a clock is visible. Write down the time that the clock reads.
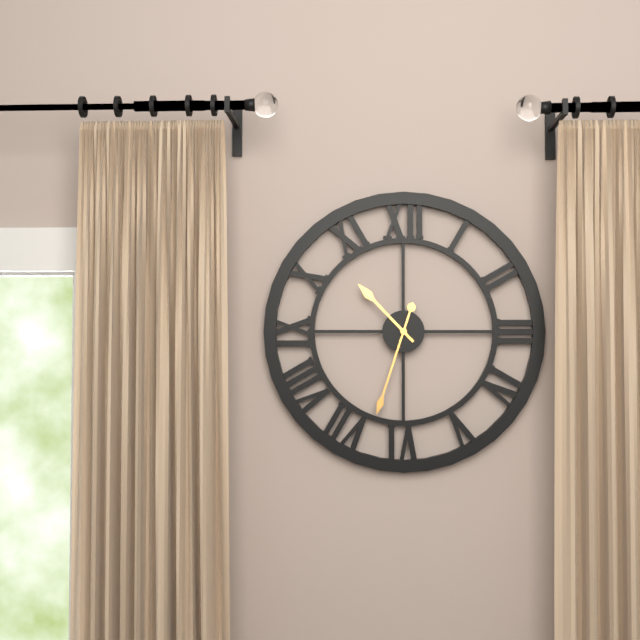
10:33
